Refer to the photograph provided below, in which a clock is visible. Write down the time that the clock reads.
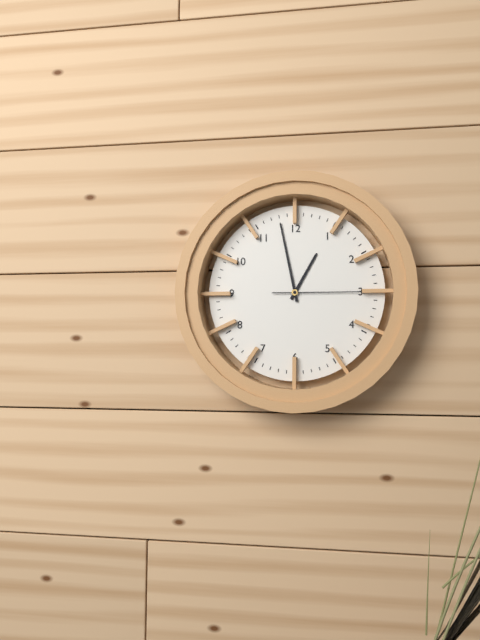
12:58:15
